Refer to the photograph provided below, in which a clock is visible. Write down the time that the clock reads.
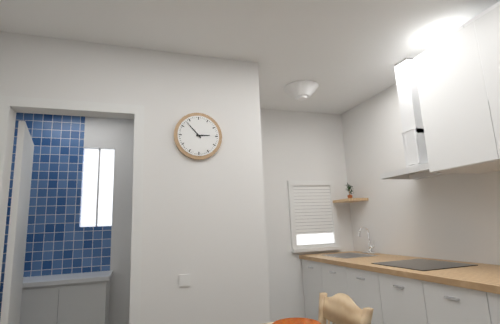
2:53
